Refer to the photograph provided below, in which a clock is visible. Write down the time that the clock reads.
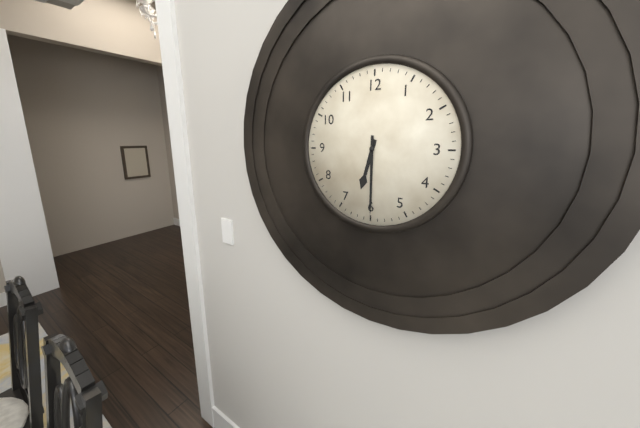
6:30
